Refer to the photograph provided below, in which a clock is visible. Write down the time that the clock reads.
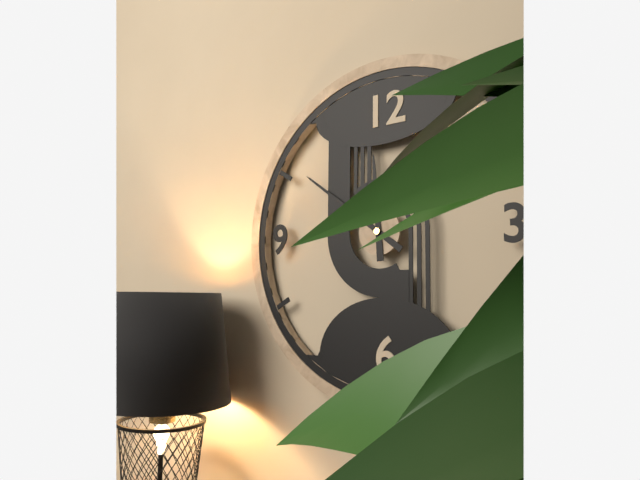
11:51
